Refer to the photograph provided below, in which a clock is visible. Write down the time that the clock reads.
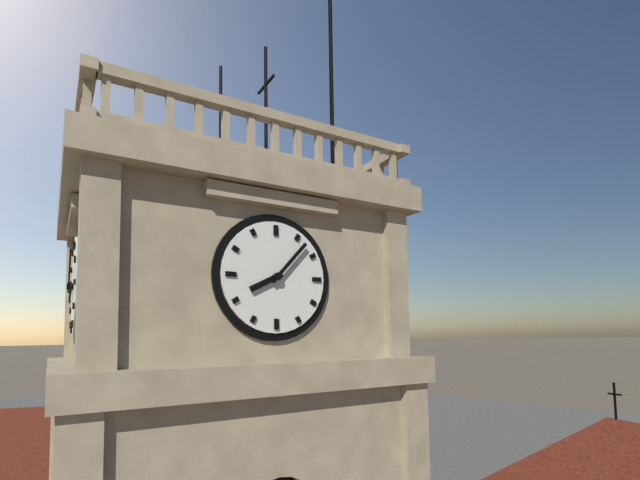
8:07
